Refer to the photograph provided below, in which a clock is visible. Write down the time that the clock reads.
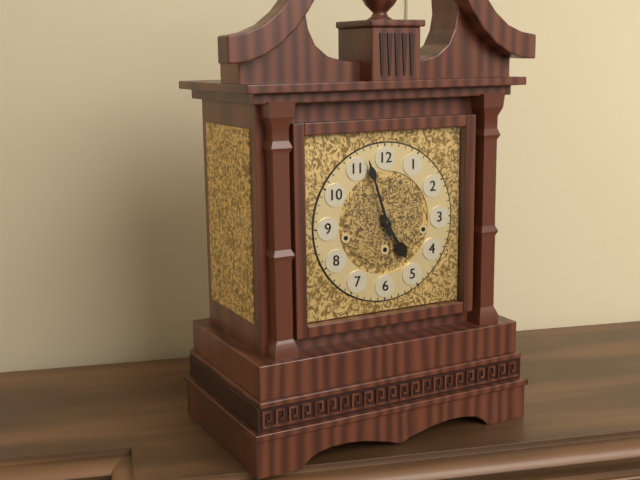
4:57
